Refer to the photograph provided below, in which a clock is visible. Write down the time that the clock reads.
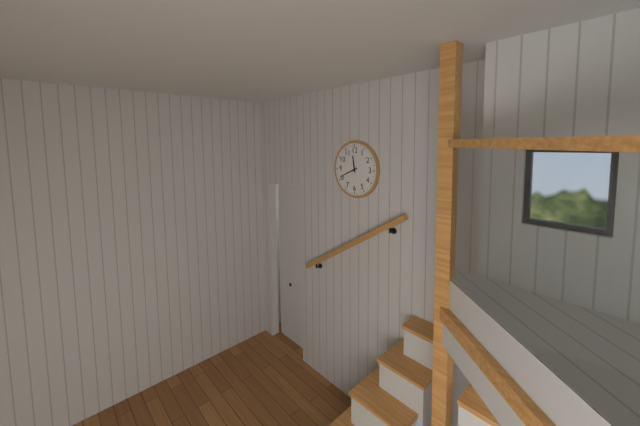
11:41
